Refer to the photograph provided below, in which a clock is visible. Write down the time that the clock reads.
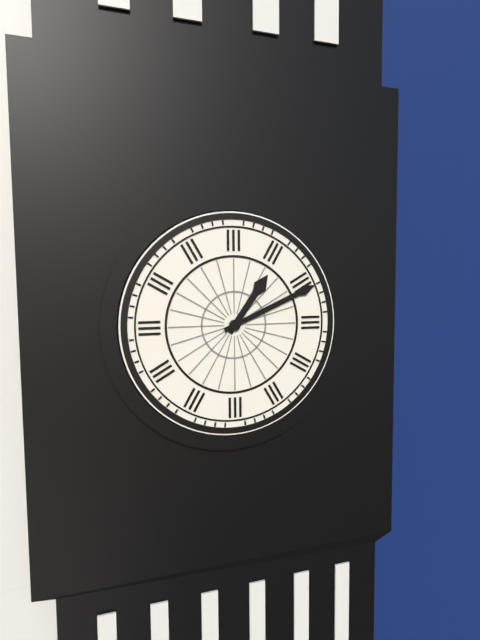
1:11
